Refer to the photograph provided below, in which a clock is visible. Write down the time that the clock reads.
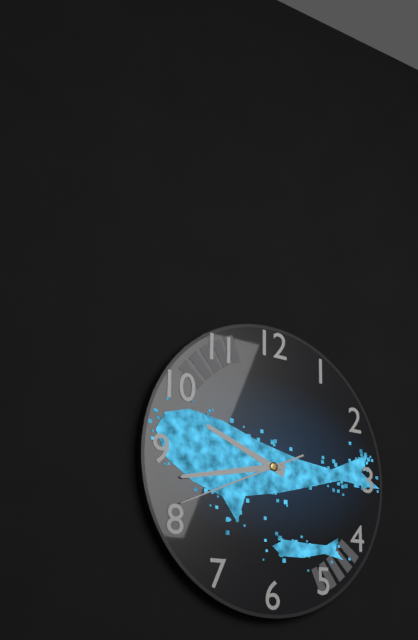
9:43:41
